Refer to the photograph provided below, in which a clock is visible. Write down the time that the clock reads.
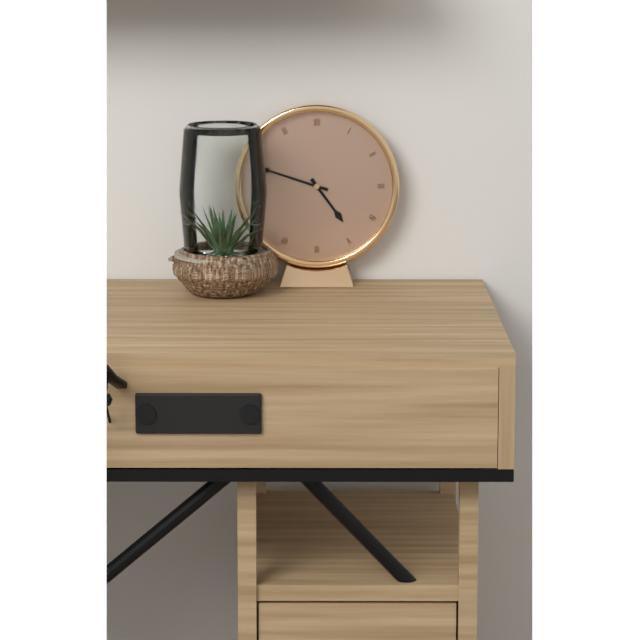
4:48
